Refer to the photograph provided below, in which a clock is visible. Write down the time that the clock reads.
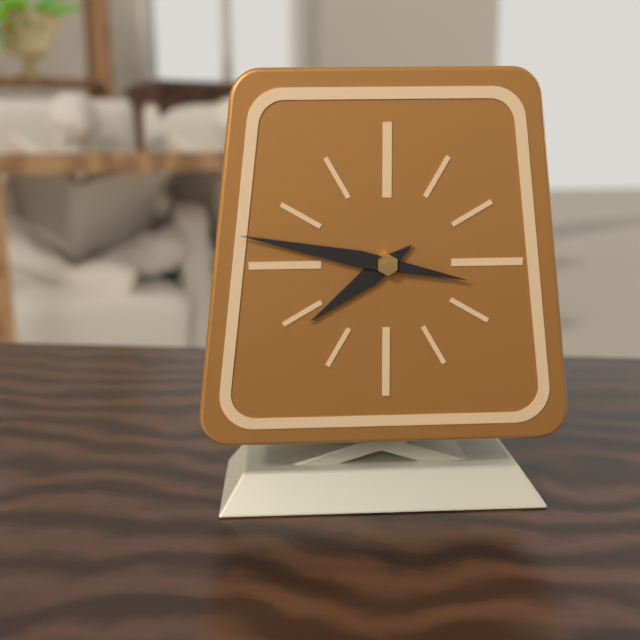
7:47
